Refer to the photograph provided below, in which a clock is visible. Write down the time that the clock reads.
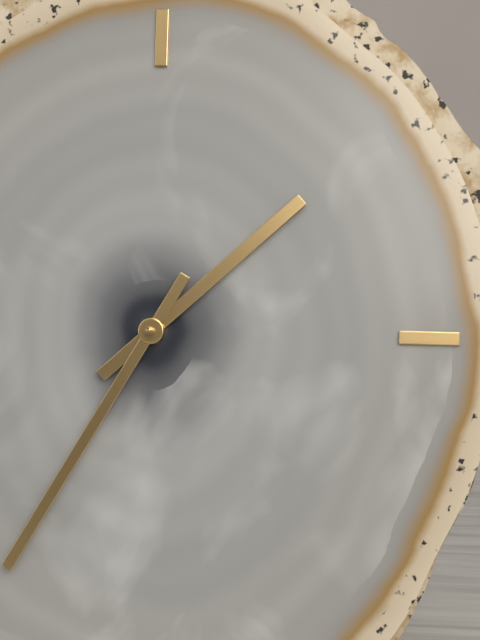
1:35
